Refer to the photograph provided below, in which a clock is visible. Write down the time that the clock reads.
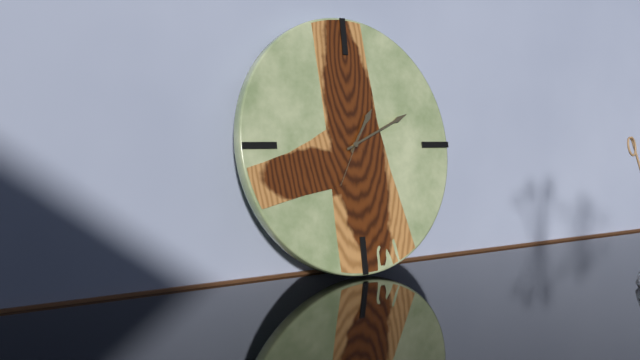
1:11
